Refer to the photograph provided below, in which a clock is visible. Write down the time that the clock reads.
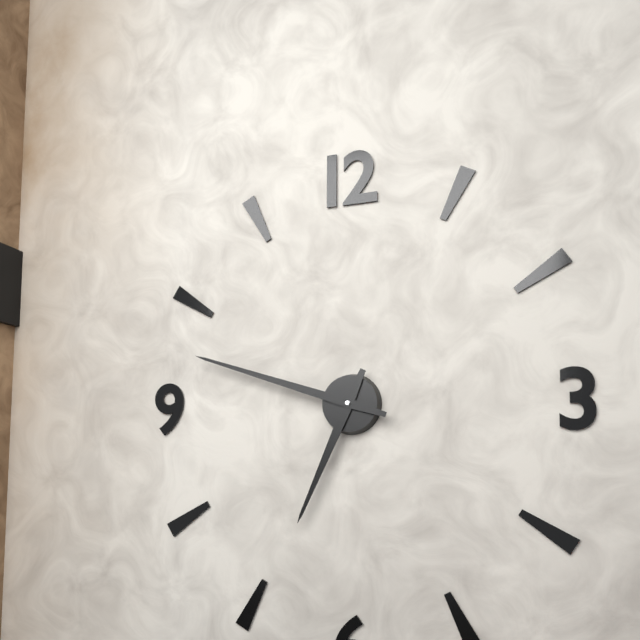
6:48
